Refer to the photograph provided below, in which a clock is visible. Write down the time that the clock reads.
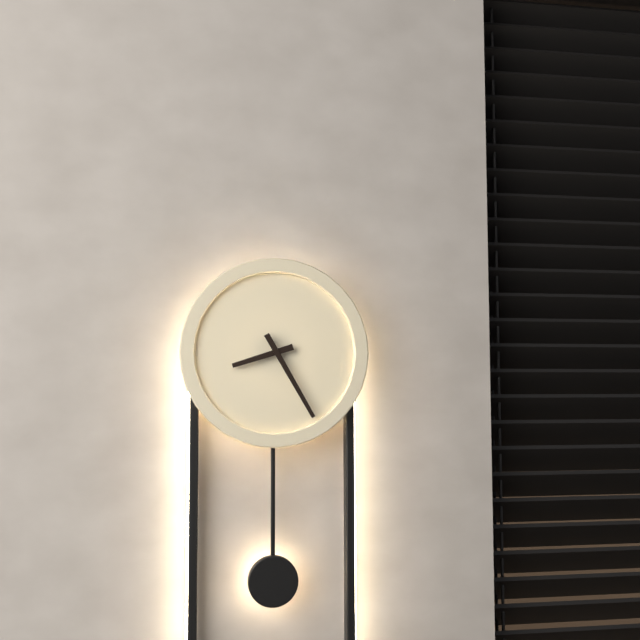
8:25
